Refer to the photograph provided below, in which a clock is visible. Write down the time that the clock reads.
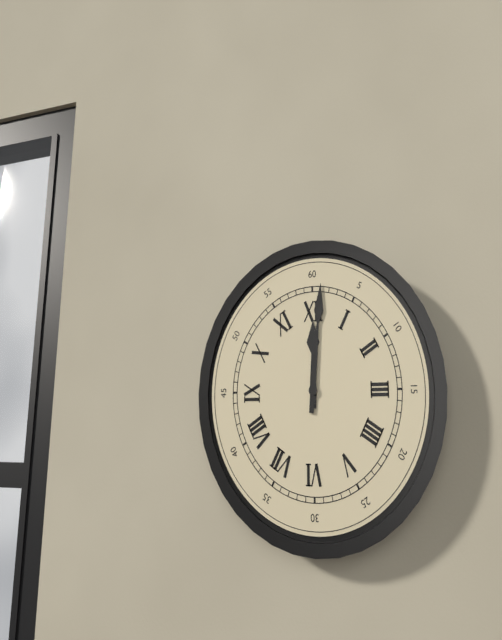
12:01
